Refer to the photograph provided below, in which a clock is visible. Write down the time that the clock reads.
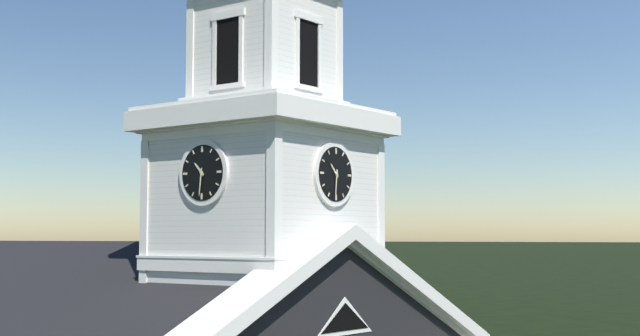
10:31
